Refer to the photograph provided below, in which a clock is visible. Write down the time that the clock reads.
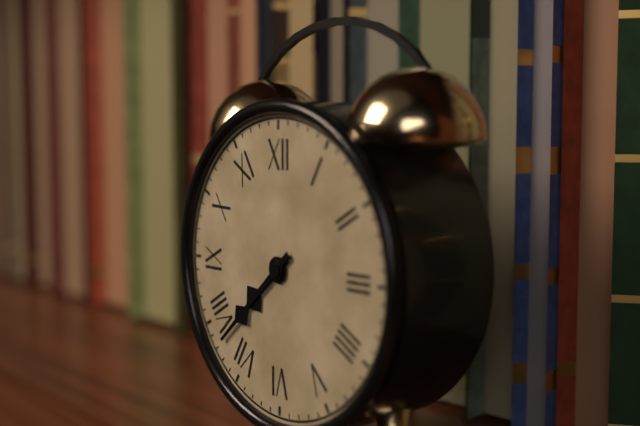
7:38
